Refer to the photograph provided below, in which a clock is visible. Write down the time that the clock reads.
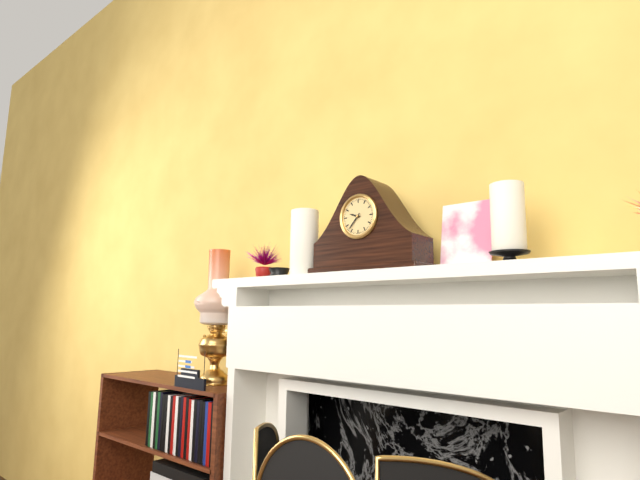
9:37
